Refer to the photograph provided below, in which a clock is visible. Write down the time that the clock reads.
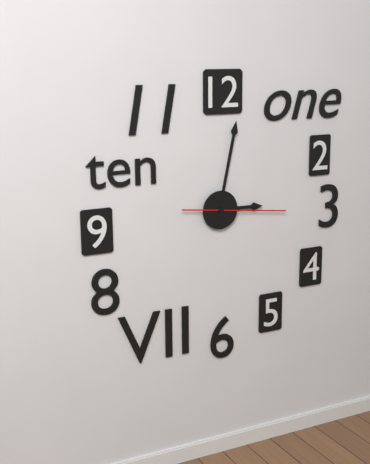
3:02:16
